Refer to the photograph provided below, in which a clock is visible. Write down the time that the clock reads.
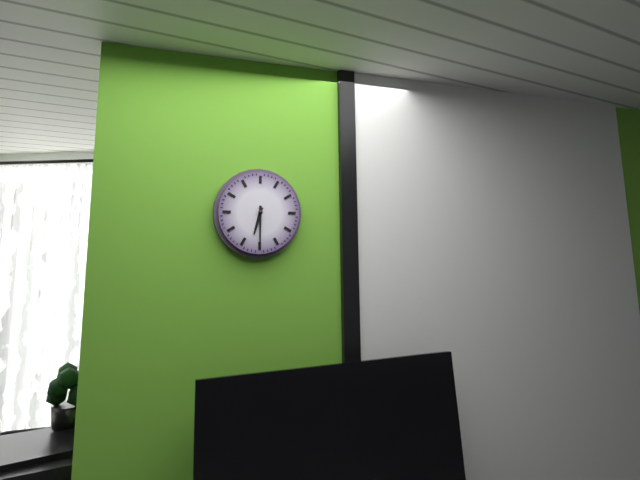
6:30
